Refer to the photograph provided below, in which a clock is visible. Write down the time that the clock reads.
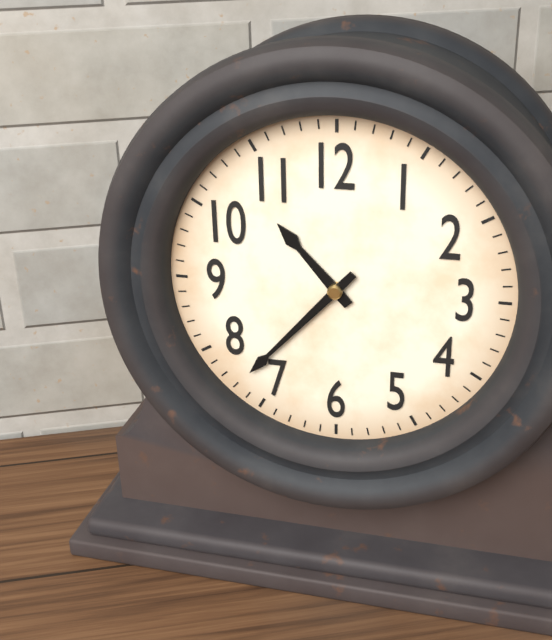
10:37
